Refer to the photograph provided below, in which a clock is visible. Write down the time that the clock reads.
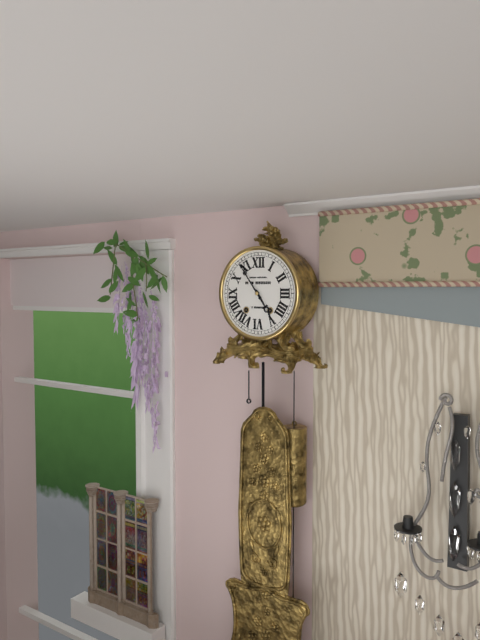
4:54
